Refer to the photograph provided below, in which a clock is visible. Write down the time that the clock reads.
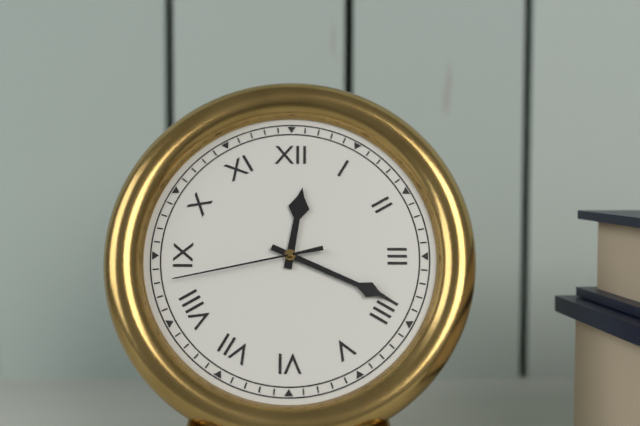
12:19:43
